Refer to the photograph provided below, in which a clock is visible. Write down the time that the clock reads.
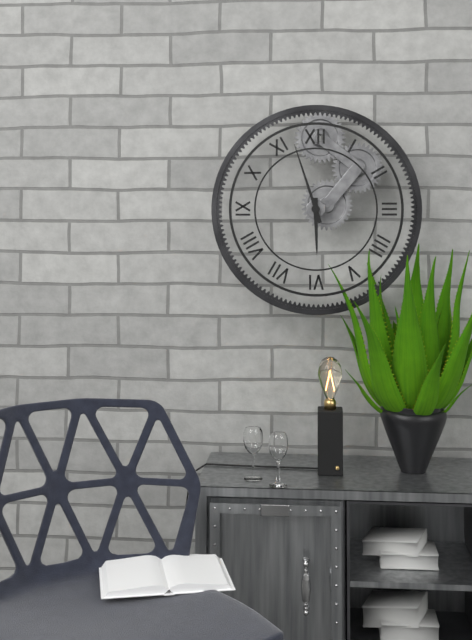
5:57
